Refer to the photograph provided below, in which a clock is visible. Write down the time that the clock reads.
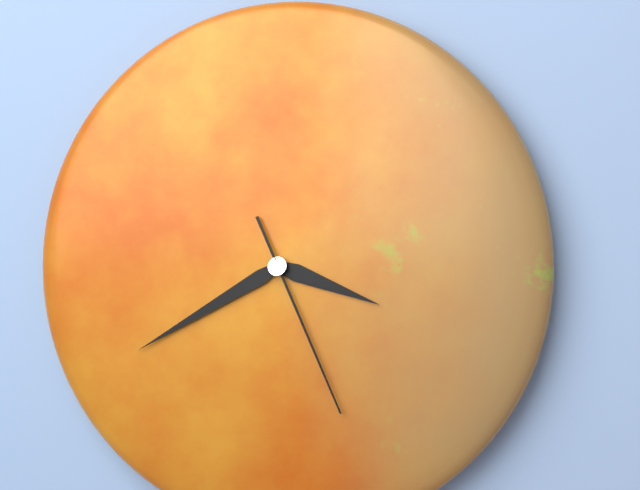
3:40:26
